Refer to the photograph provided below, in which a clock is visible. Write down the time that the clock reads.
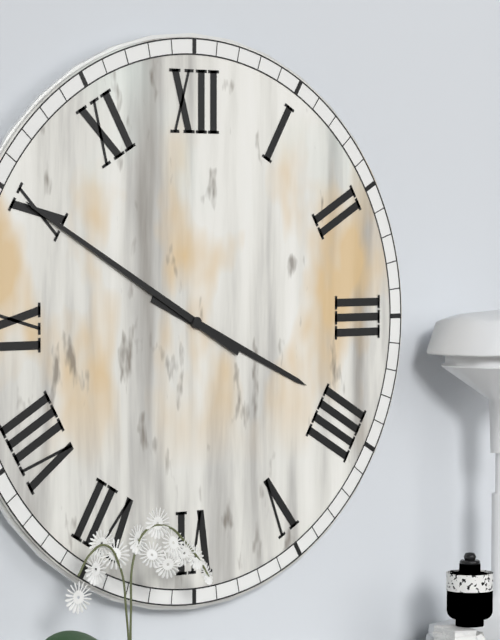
3:50
